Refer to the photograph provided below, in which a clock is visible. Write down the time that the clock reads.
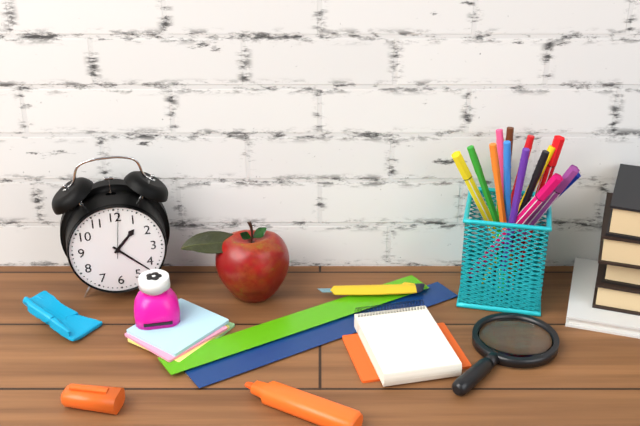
1:22
